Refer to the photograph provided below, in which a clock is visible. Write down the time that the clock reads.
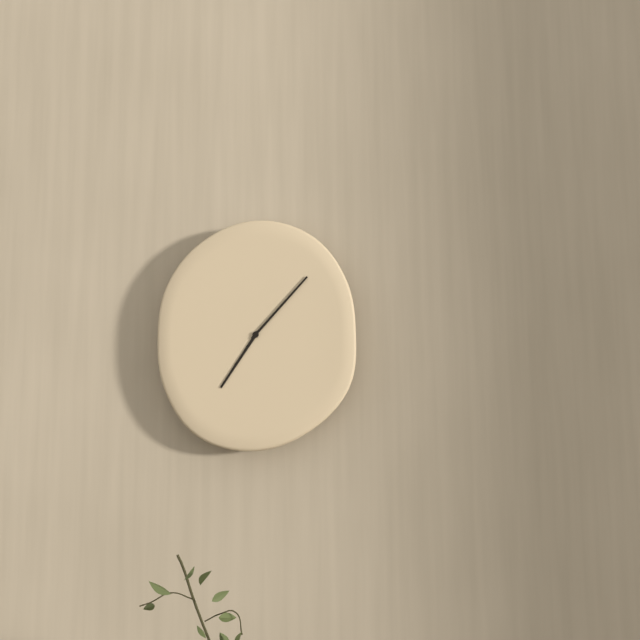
7:07
